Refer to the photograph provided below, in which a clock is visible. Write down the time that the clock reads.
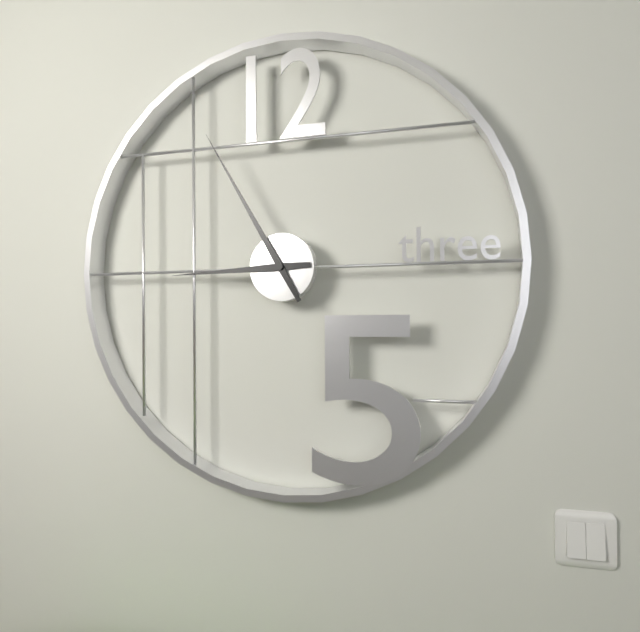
8:55
